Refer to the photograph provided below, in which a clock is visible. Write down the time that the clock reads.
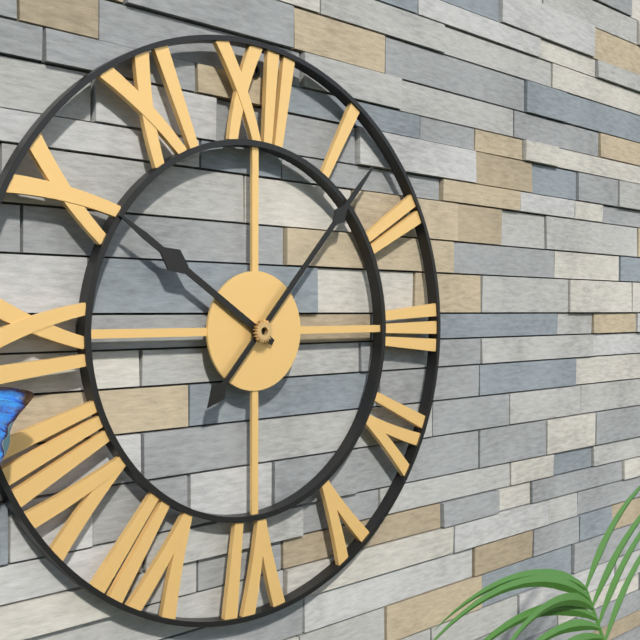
10:07
